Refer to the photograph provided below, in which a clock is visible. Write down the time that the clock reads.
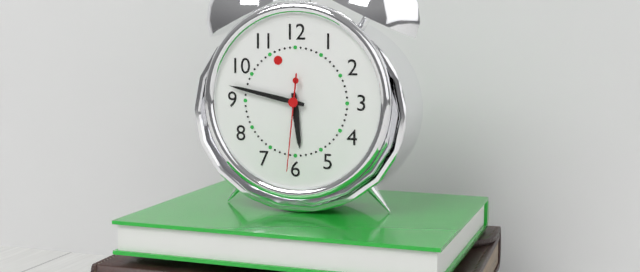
5:47:31
